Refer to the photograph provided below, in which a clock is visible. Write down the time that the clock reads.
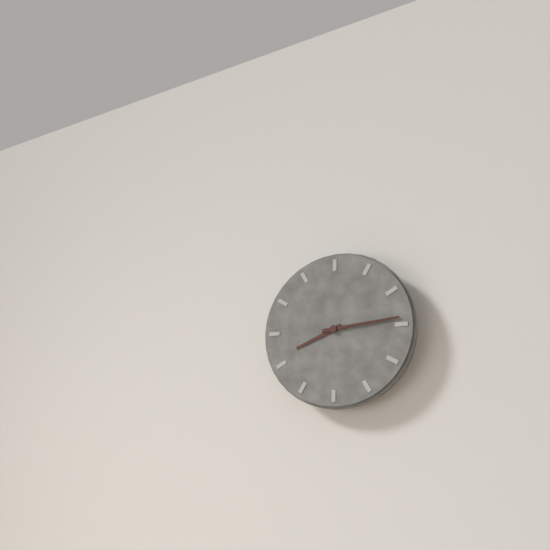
8:14
